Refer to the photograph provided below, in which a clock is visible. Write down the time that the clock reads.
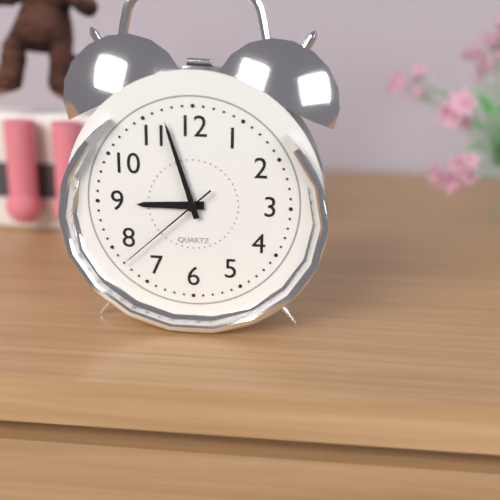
8:57:38
